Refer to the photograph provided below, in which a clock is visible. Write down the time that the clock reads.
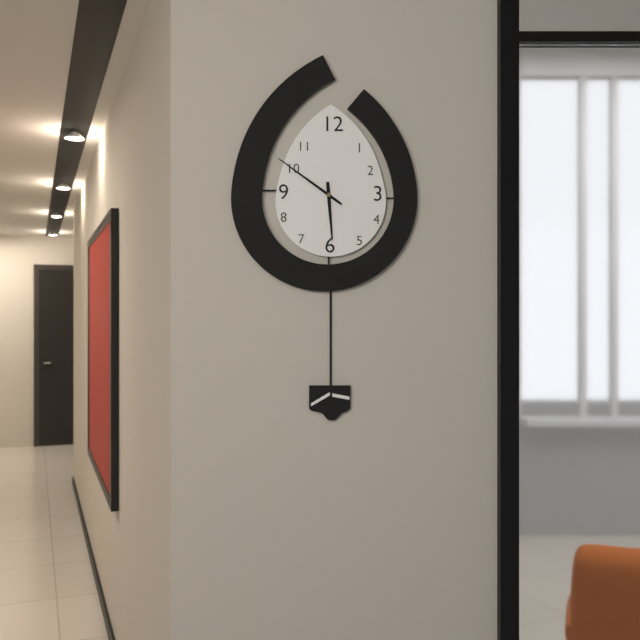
5:51
